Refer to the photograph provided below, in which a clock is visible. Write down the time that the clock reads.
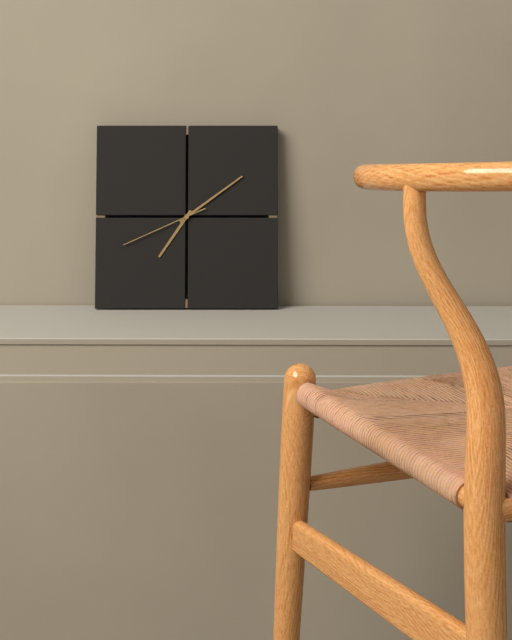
7:09:41
